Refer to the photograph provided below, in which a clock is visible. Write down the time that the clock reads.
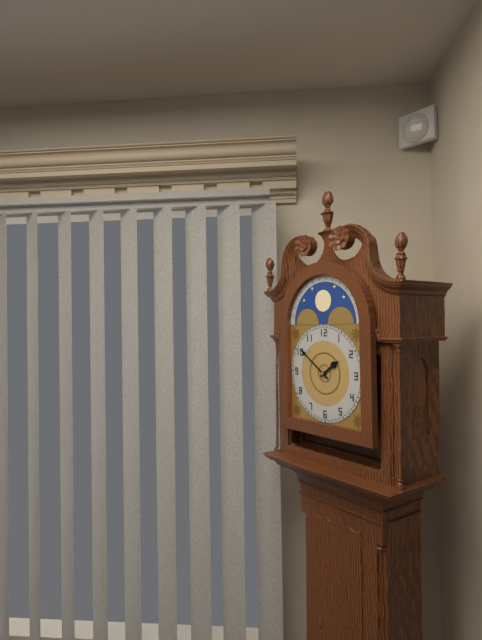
1:51
